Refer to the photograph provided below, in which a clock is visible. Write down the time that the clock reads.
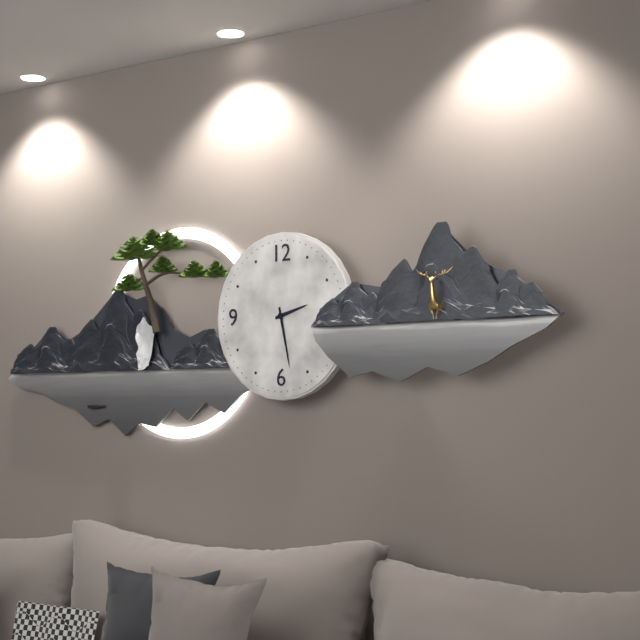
2:28
